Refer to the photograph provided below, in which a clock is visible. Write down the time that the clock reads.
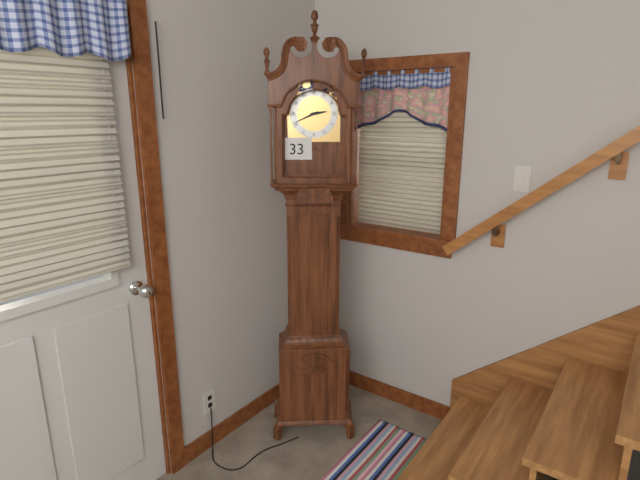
2:41
